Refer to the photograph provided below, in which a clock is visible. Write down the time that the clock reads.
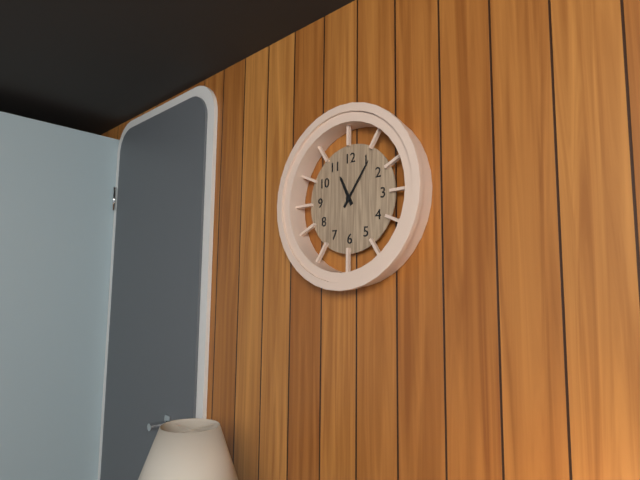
11:06
